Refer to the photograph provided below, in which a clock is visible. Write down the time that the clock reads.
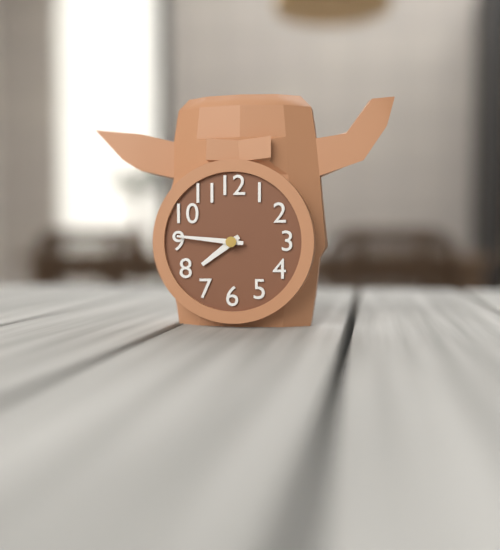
7:46
